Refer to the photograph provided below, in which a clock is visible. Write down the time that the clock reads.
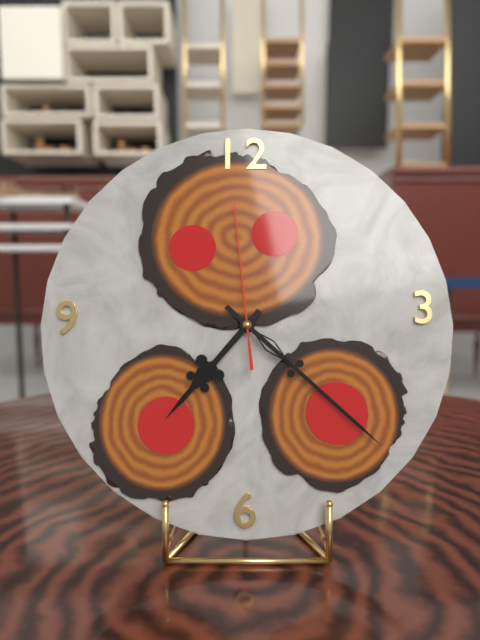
7:22:59
